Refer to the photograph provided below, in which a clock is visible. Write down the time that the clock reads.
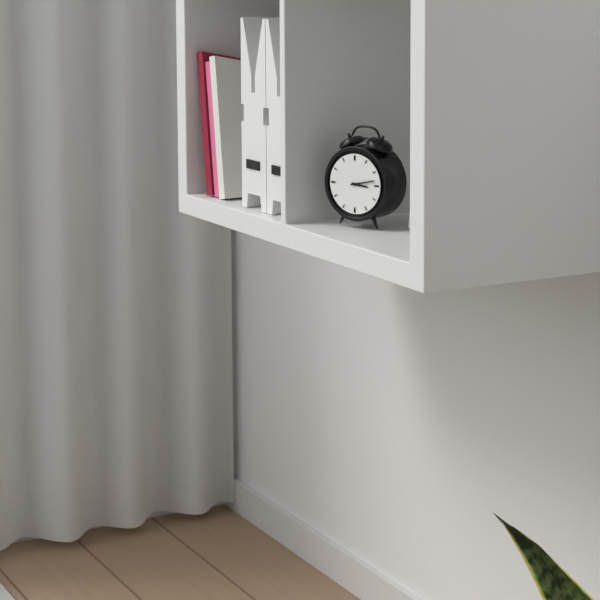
3:13
